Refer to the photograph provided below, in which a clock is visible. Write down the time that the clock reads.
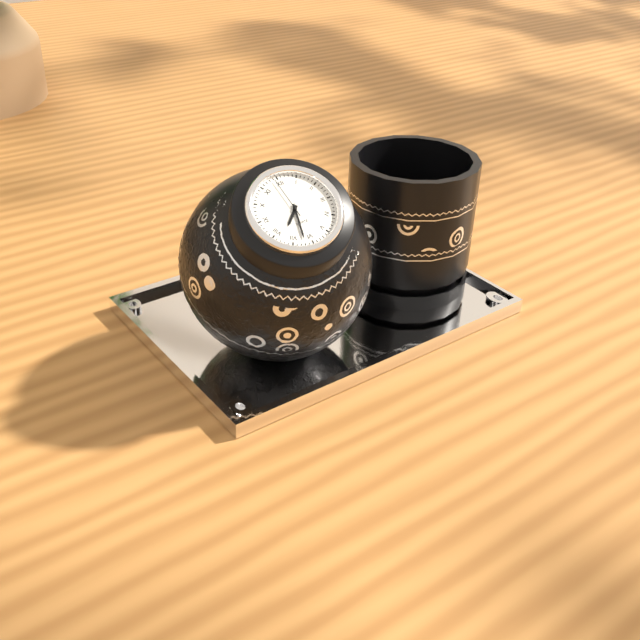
7:32:59
